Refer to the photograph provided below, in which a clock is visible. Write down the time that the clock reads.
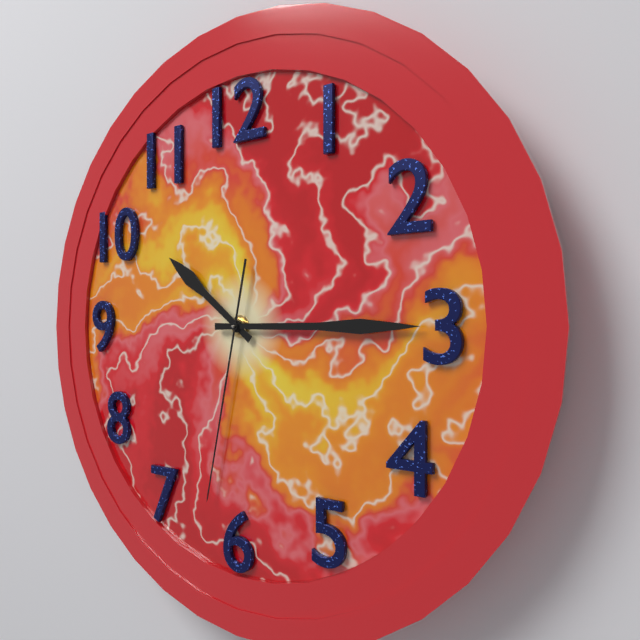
10:15:32
